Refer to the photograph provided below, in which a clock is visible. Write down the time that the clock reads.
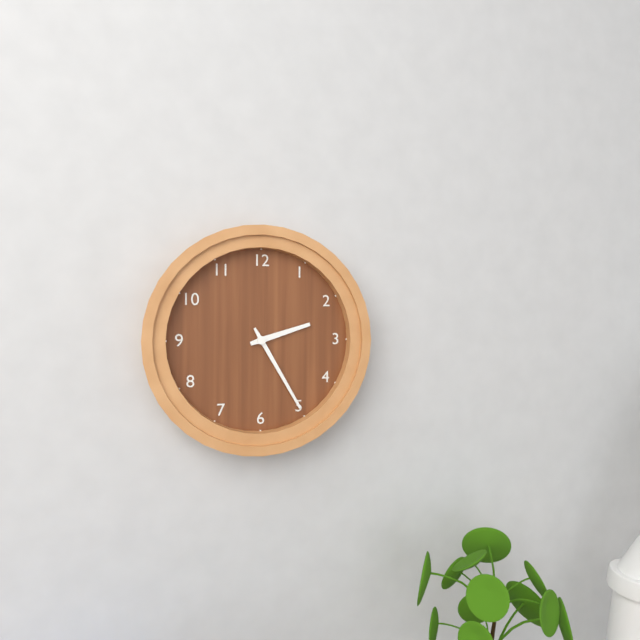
2:25
